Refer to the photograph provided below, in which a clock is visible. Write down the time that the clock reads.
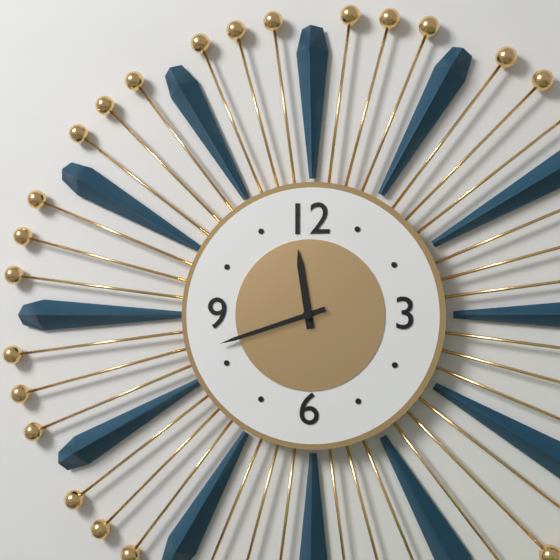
11:42
